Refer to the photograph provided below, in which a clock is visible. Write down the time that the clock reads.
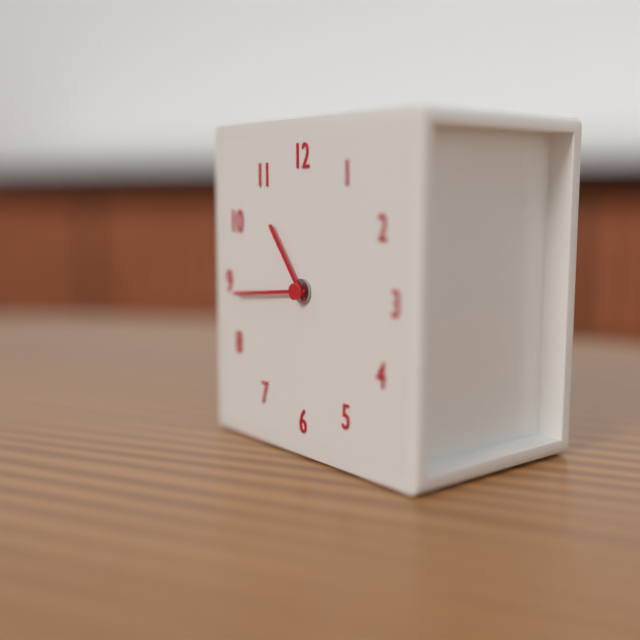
10:44
